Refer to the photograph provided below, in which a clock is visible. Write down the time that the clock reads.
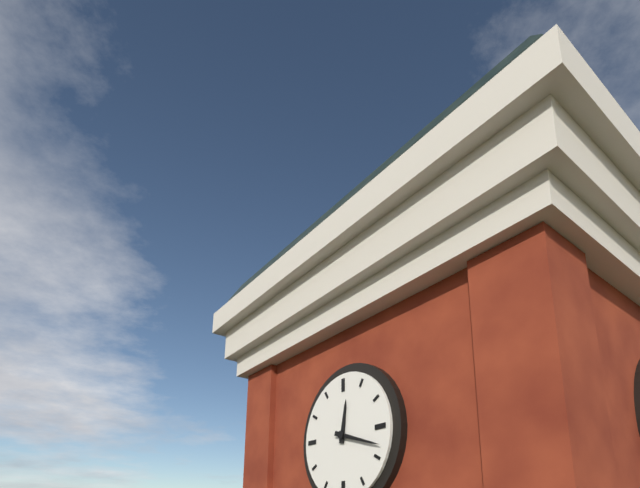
12:18
